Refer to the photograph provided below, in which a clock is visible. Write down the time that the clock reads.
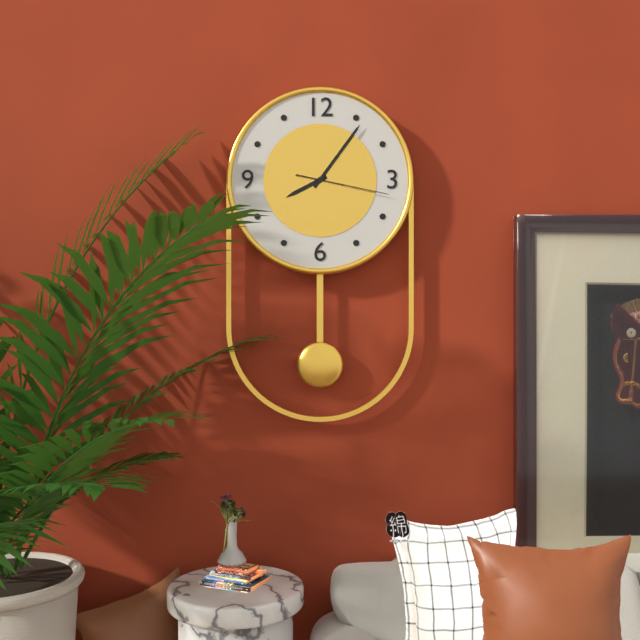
8:06:17
